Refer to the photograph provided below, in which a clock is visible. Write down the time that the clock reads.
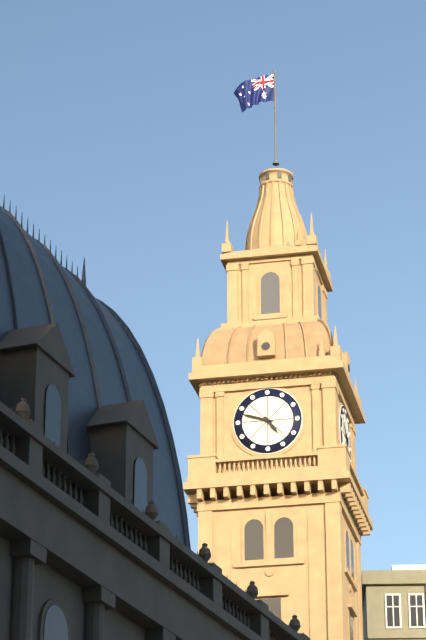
4:48
